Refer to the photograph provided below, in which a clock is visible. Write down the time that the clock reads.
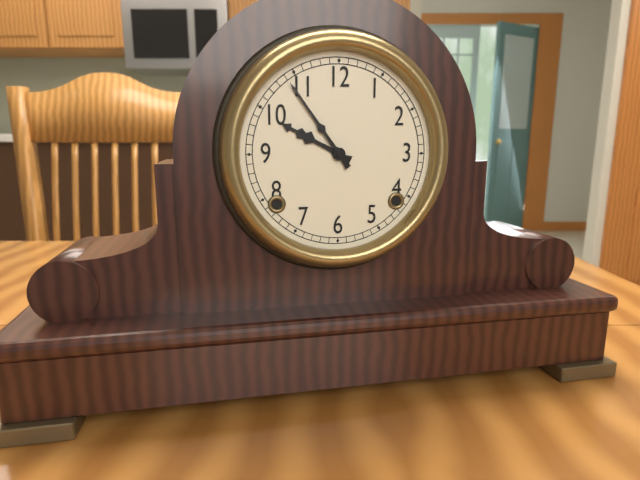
9:54
